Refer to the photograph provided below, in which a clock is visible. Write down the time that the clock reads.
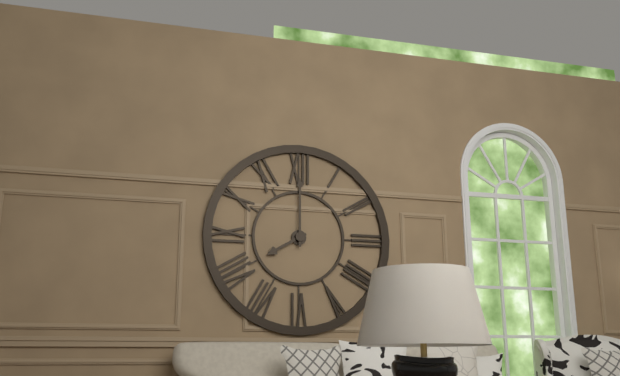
8:00
